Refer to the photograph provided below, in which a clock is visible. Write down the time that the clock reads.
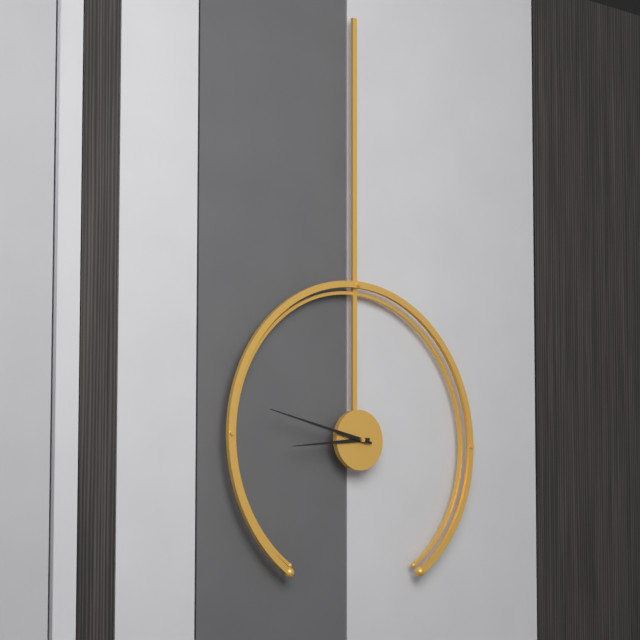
8:47
